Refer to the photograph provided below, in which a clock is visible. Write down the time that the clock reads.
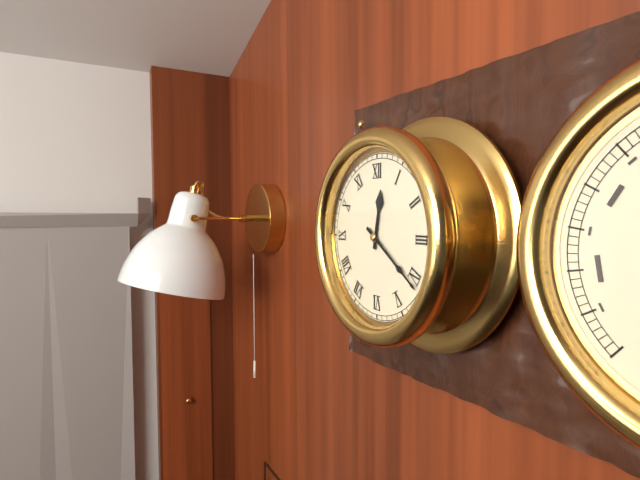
12:21
